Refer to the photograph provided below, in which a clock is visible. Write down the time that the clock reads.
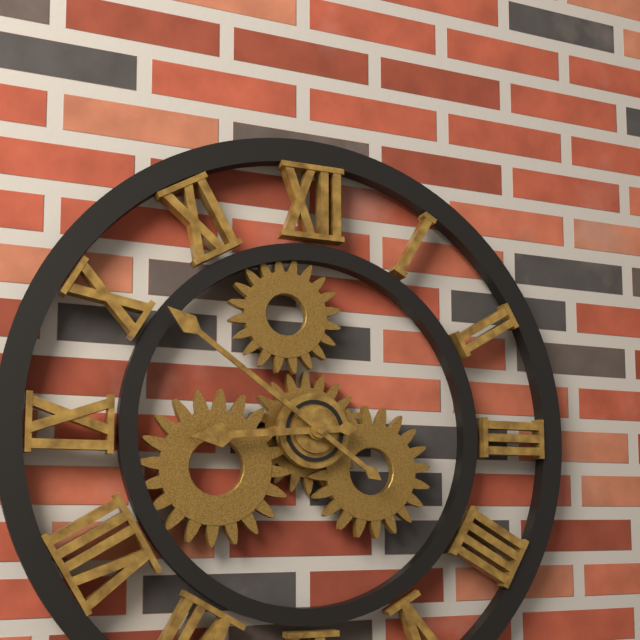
8:51
